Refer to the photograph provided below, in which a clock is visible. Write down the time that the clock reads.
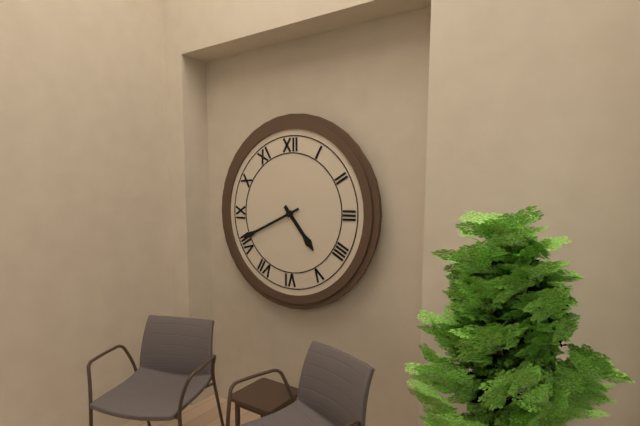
4:41
